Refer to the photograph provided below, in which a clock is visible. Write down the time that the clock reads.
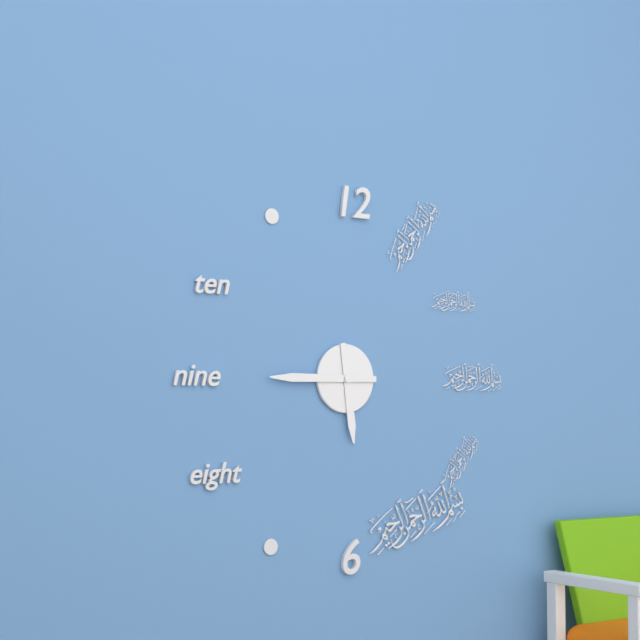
5:45
